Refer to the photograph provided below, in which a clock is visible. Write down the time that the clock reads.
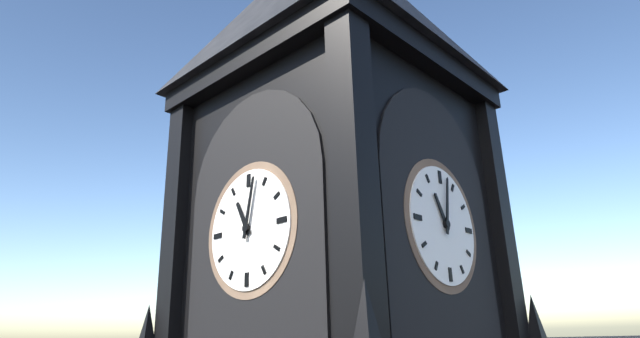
11:02
